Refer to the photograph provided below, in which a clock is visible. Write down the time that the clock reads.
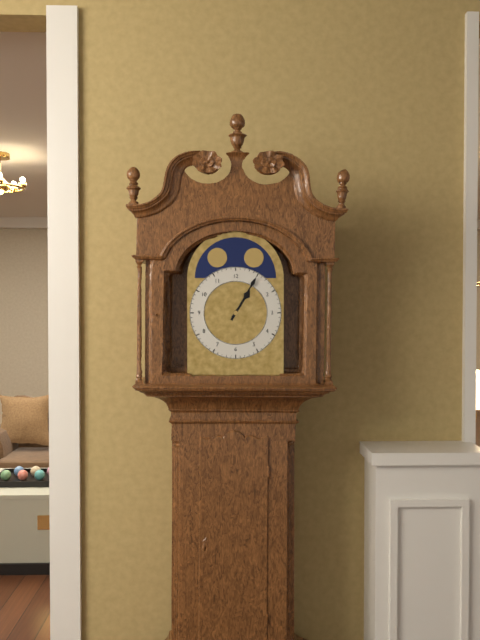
1:05
